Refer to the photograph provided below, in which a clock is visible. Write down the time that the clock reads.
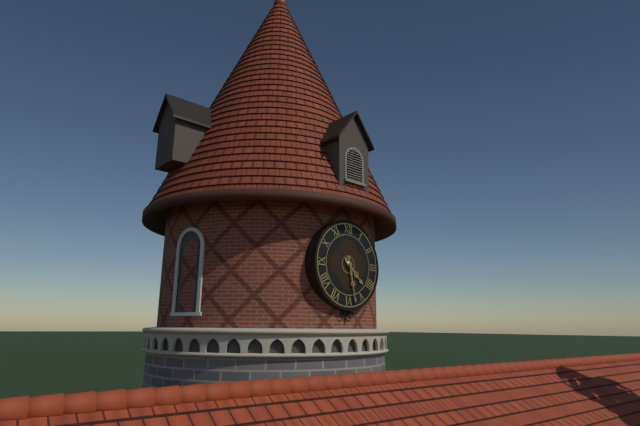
4:28
